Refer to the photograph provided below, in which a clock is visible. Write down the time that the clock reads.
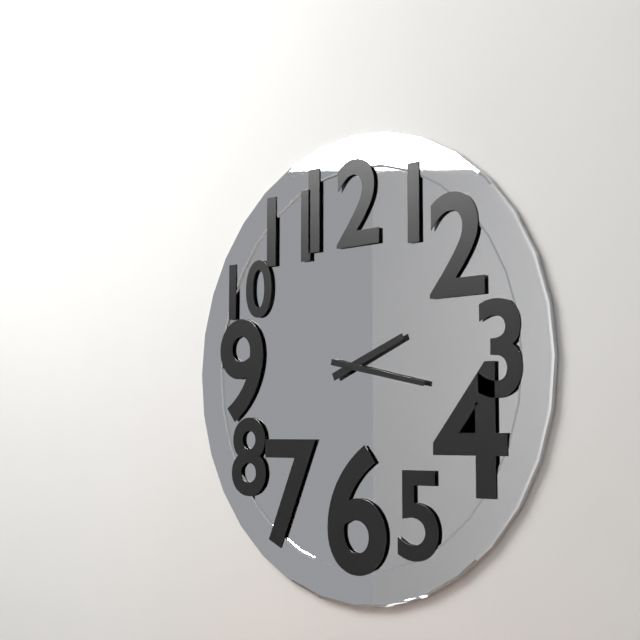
2:17
